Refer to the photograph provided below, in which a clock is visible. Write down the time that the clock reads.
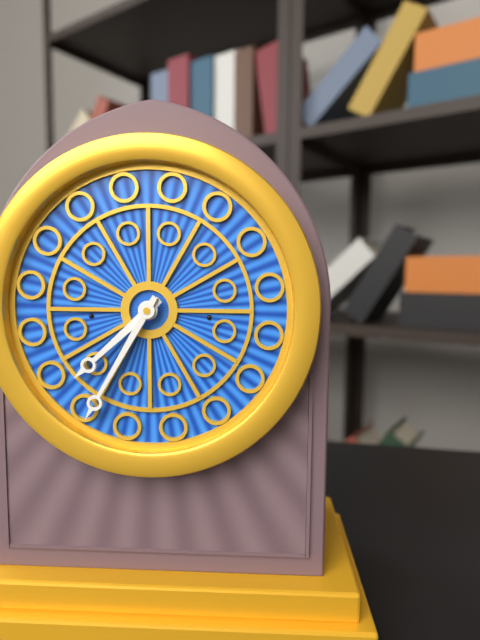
7:35
